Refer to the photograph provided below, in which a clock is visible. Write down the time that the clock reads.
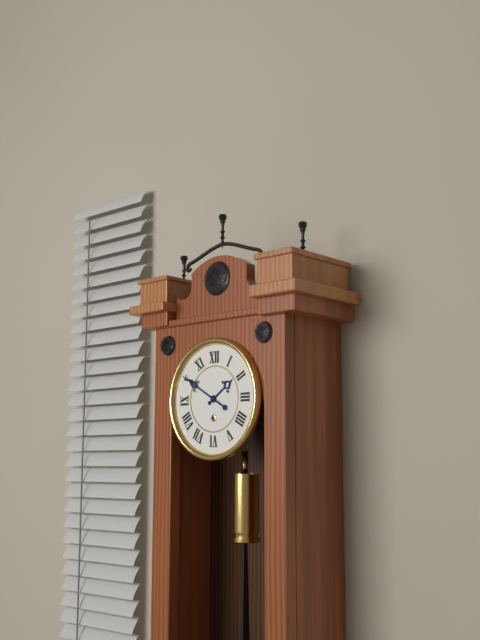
1:50
